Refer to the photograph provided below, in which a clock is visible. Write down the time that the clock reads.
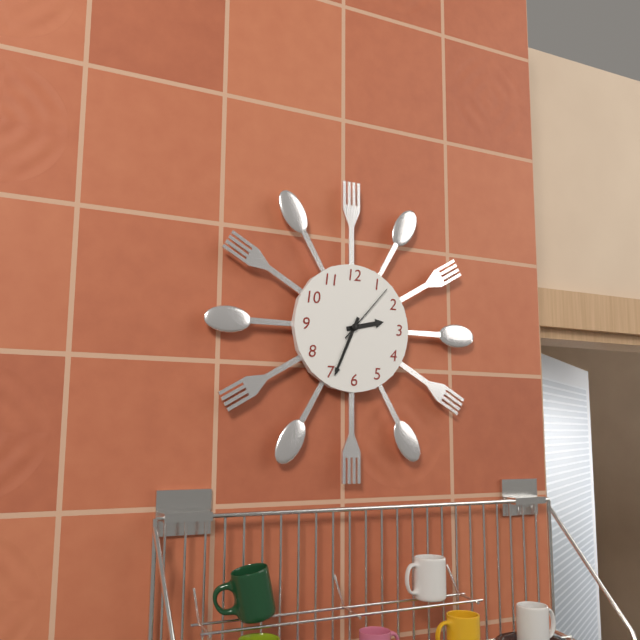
2:34:07
